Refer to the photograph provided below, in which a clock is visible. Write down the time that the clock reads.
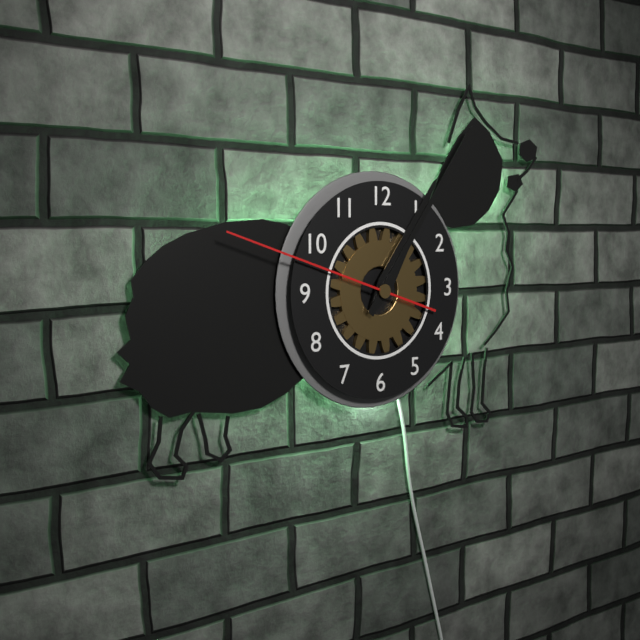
1:06:48
